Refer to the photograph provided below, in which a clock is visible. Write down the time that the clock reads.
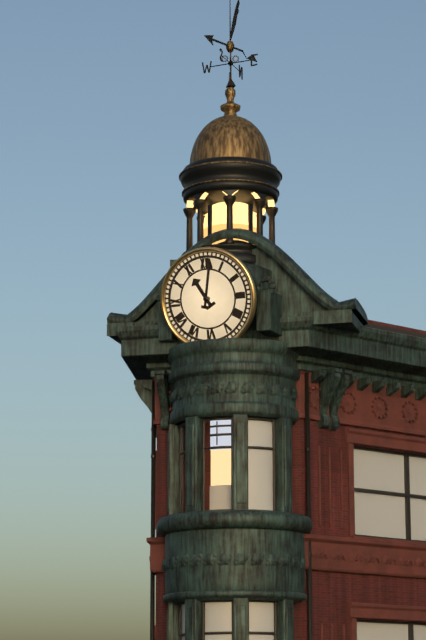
11:02
